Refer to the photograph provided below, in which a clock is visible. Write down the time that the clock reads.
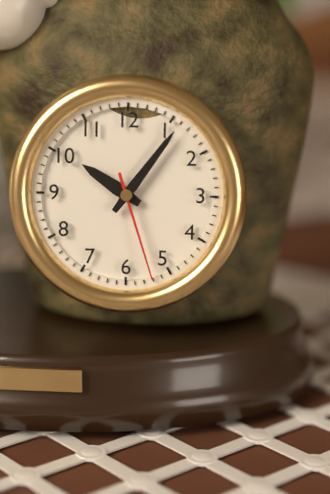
10:06:27
